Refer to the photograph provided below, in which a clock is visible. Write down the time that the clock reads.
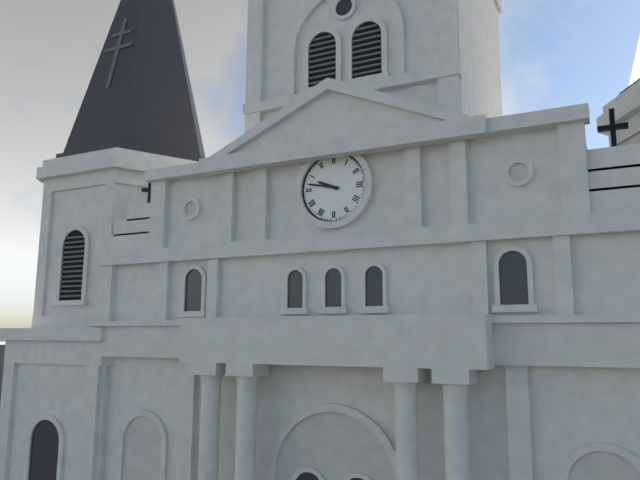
9:47
